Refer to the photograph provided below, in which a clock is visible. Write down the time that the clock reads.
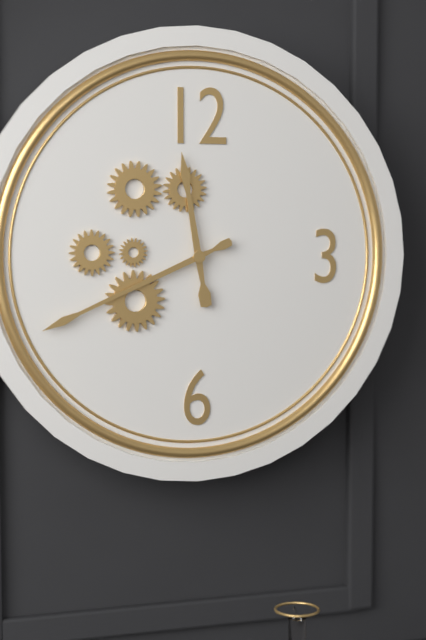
11:41
